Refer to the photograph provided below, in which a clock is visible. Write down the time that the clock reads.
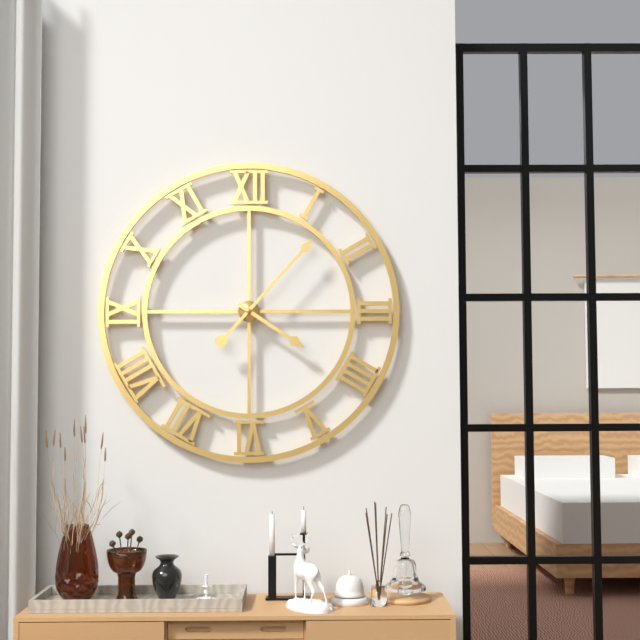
4:07
